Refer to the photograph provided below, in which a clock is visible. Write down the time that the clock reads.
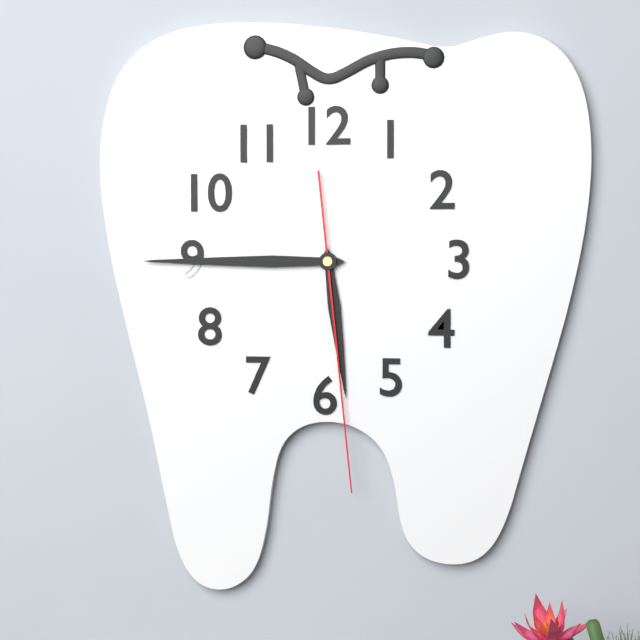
5:45:29
